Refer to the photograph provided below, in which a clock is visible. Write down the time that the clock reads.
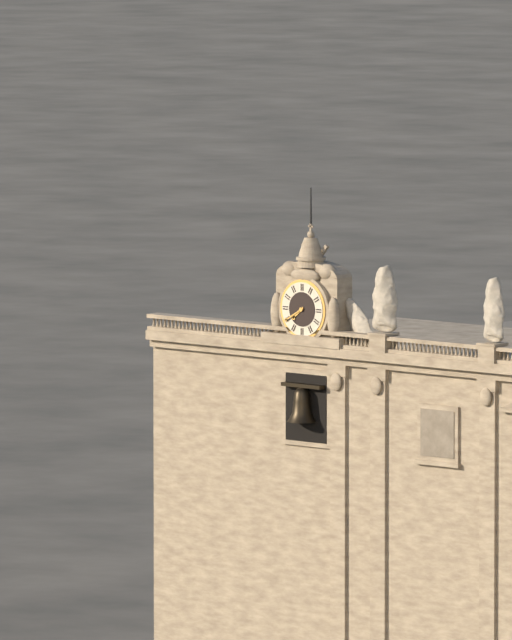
7:40
